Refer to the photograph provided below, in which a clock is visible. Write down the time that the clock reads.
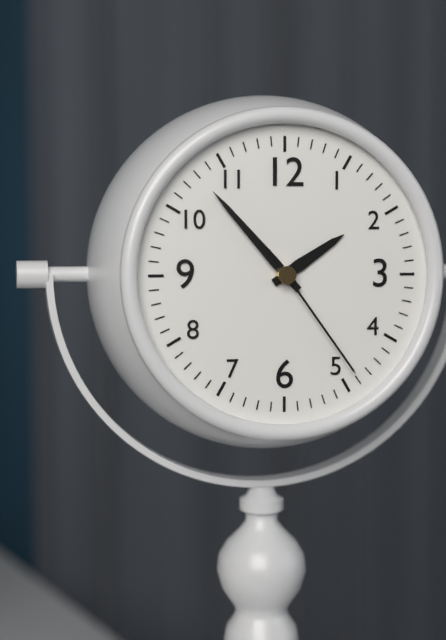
1:53:24
